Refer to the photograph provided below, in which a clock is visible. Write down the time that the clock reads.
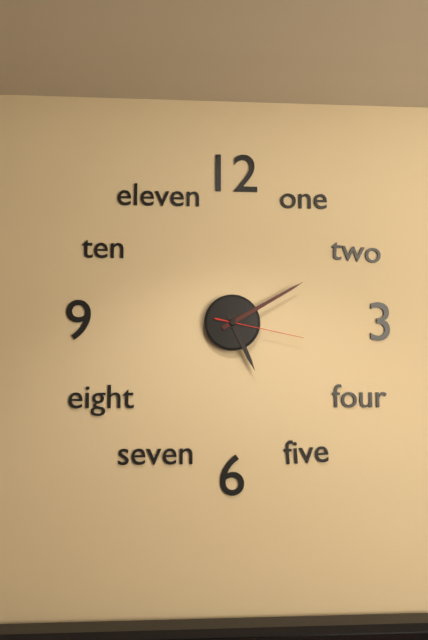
5:10:17
